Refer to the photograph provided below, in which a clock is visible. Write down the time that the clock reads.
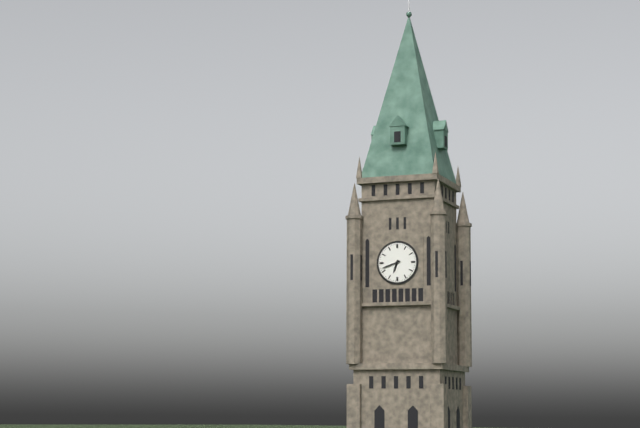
6:42
